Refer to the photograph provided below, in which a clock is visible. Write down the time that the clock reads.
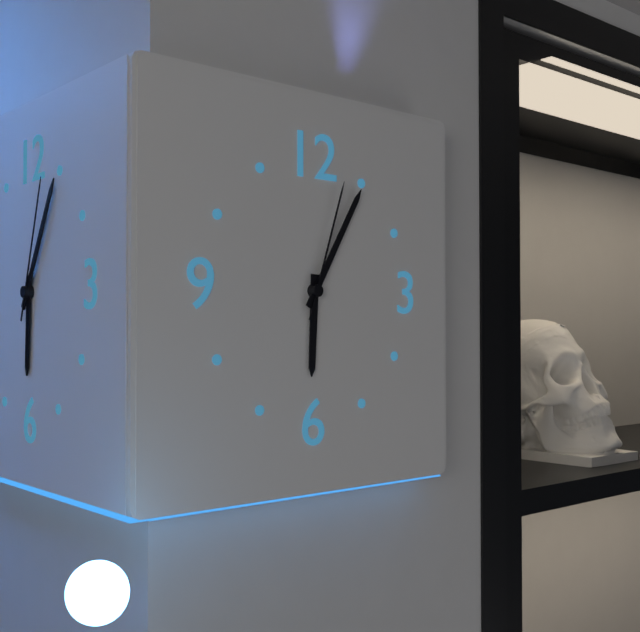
6:05:03
